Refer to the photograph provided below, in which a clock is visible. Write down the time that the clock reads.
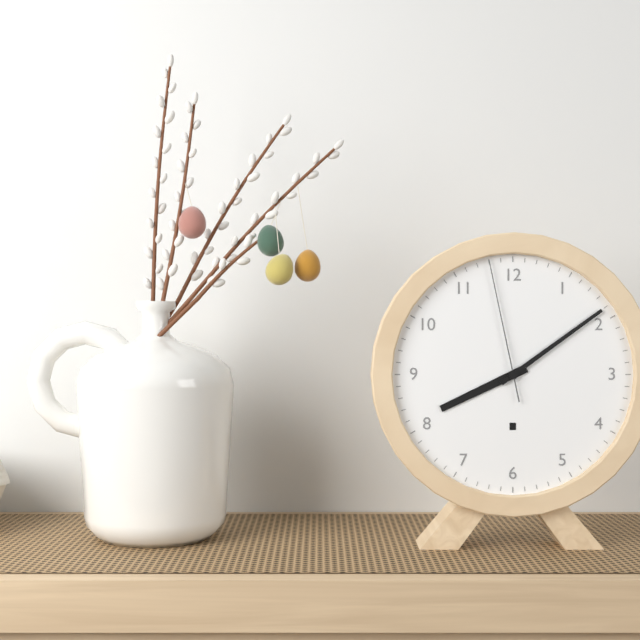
8:09:58
